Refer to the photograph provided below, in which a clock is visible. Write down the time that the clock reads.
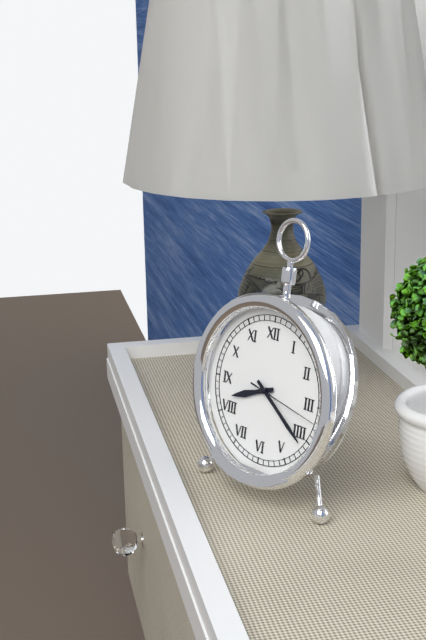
8:21:17
